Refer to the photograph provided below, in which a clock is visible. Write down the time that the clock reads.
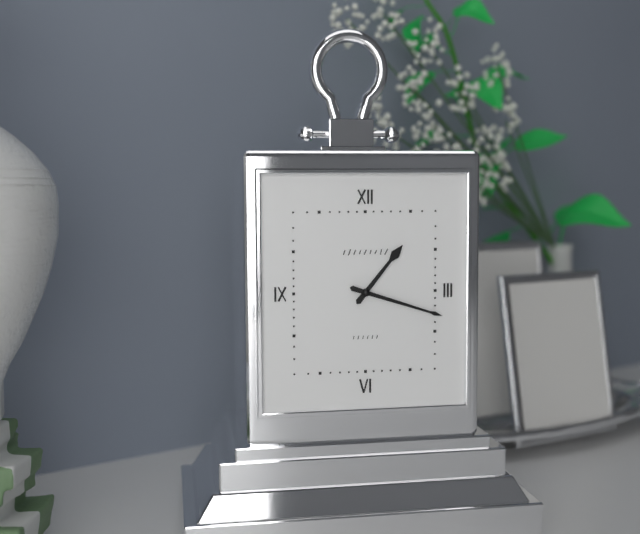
1:18
